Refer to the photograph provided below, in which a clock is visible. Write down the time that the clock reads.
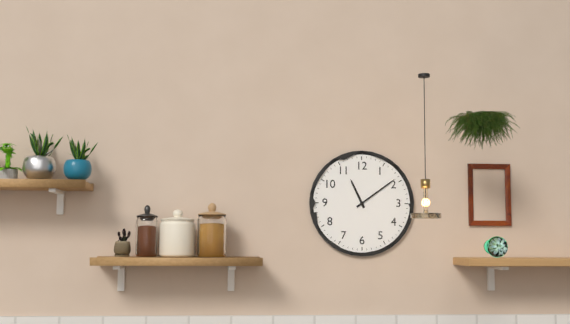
11:09
